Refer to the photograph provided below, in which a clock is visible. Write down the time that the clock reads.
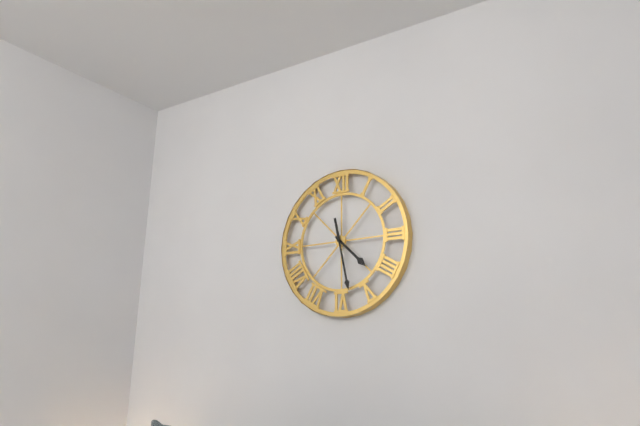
4:28
